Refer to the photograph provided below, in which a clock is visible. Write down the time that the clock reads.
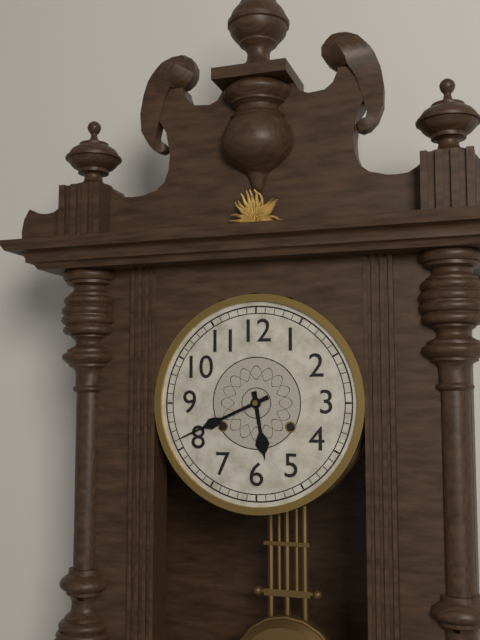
5:41
